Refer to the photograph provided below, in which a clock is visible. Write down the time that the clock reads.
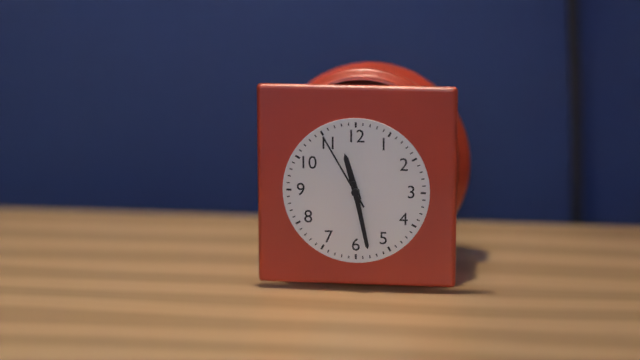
11:28:55
